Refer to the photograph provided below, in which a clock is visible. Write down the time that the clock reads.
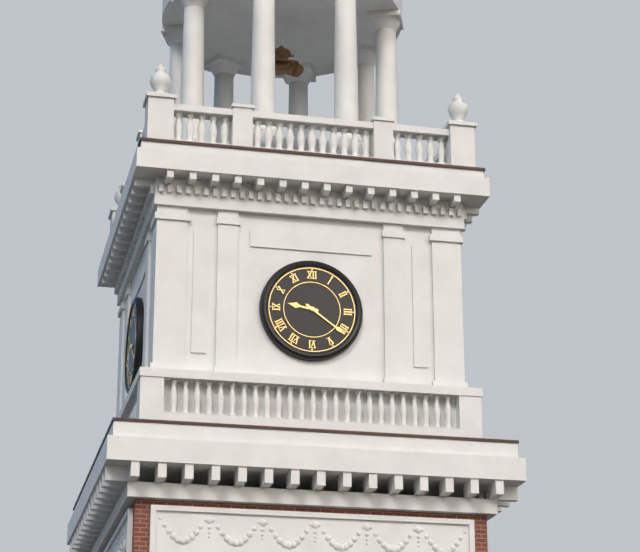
9:21
